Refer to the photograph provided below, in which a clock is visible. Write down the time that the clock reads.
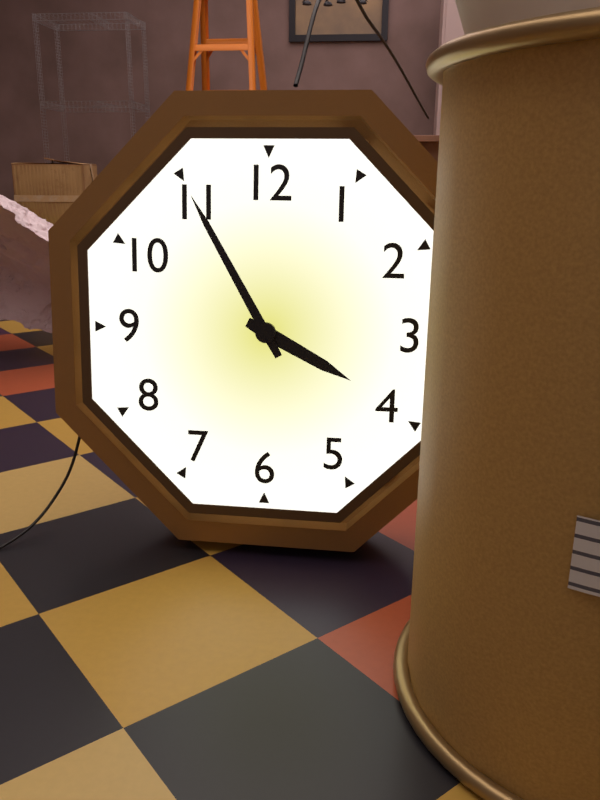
3:55
